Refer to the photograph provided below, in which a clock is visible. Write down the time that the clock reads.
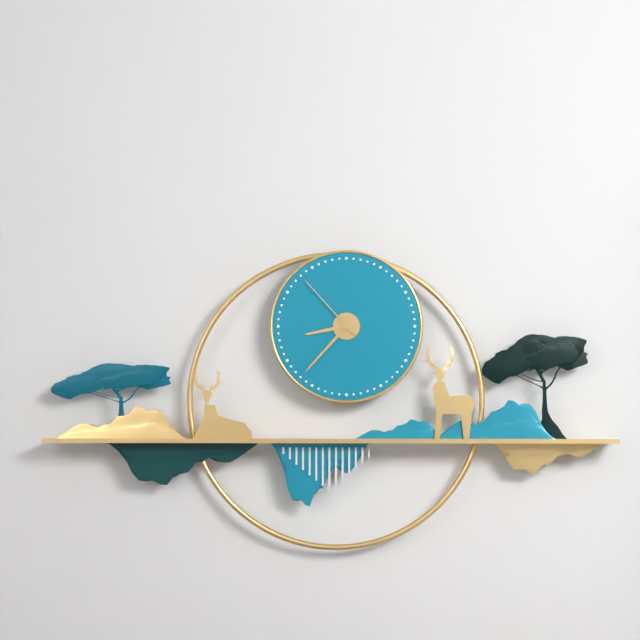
8:37:53
